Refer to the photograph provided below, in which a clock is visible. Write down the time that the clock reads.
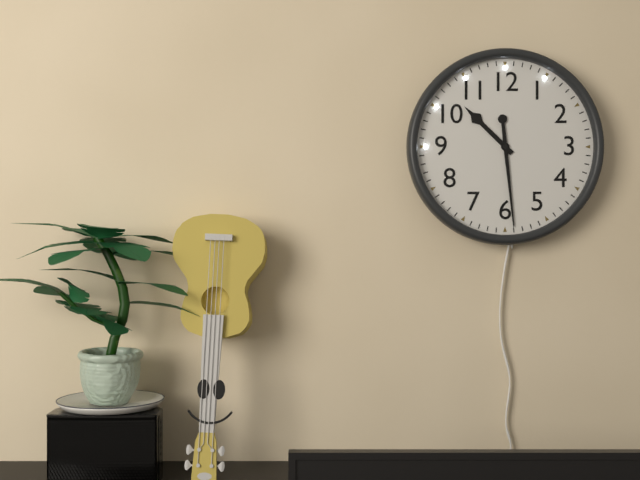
10:29
